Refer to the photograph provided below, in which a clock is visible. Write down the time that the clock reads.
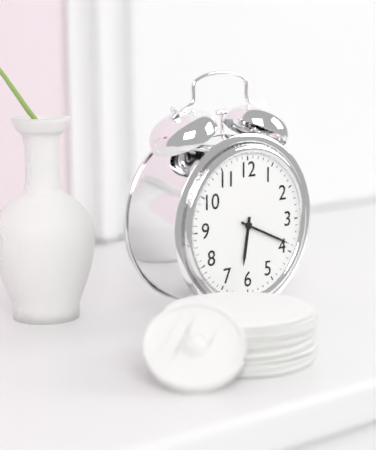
6:19
